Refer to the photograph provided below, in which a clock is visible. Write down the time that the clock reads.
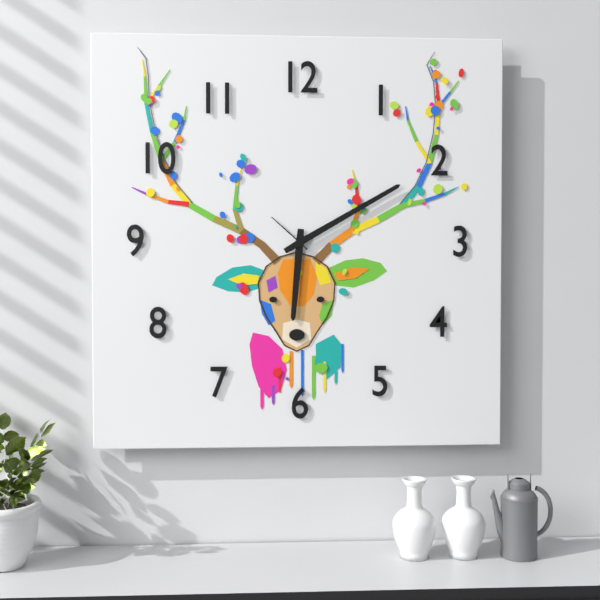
6:10
